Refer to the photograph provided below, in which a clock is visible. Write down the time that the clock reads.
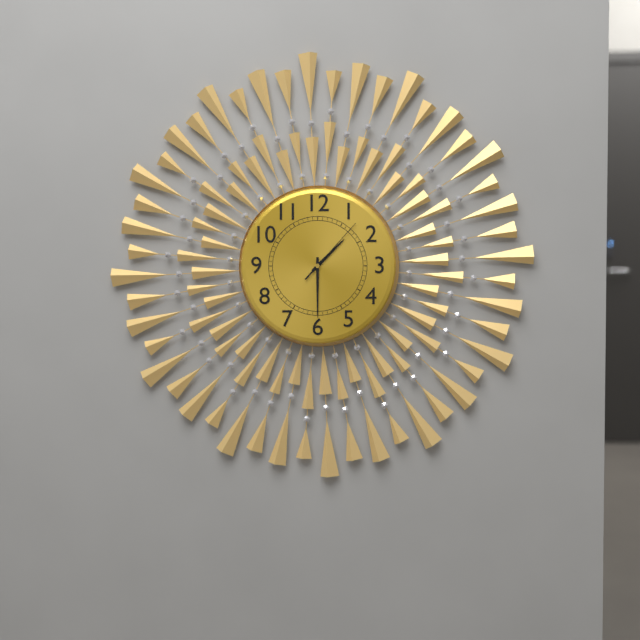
1:30:07
